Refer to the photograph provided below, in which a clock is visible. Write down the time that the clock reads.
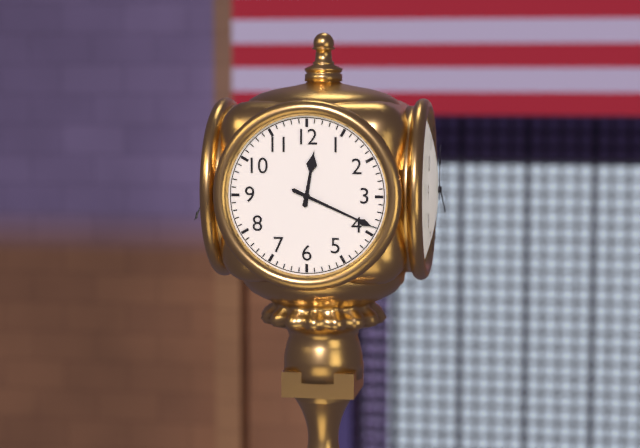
12:19
